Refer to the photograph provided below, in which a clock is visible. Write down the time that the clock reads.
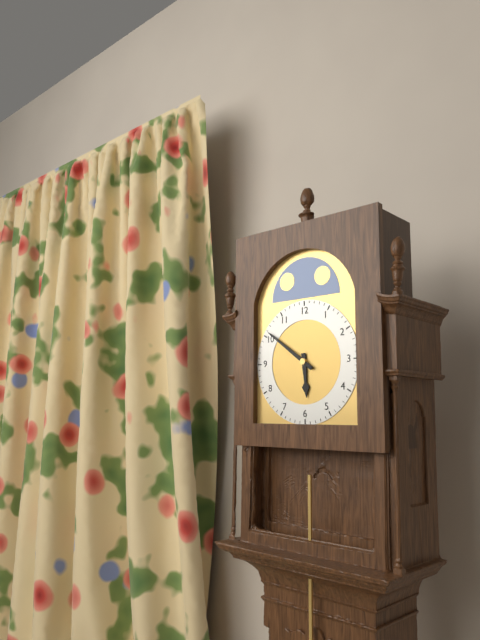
5:51
